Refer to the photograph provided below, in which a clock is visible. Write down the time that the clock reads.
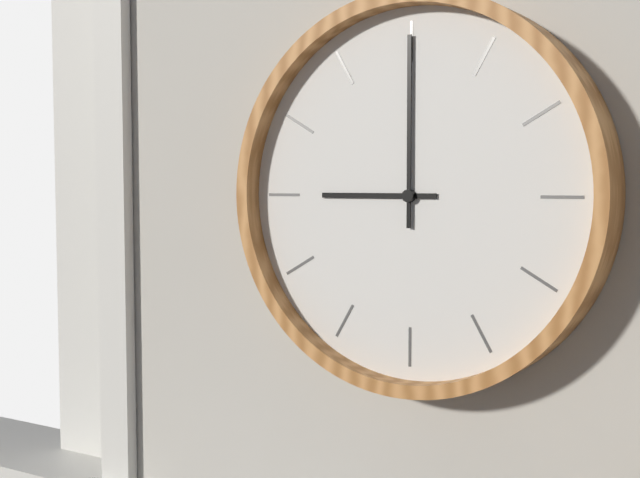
9:00
